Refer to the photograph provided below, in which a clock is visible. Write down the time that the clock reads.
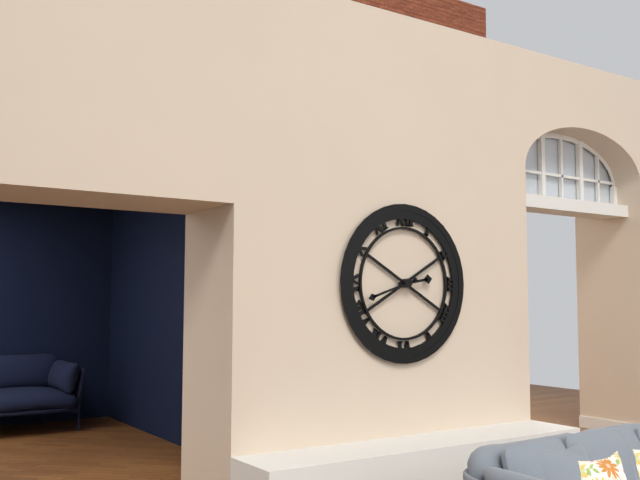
2:42
